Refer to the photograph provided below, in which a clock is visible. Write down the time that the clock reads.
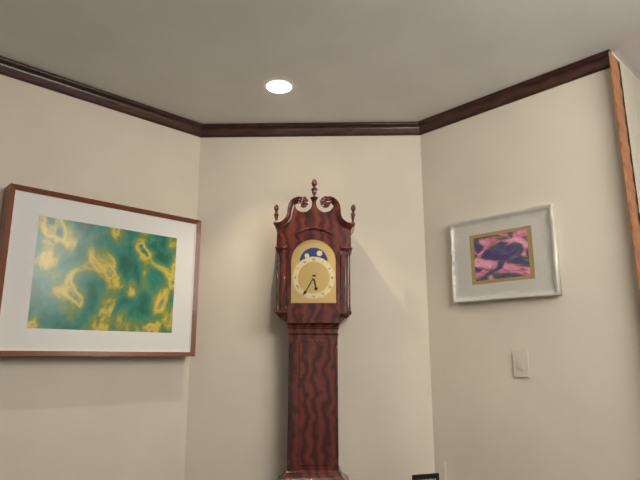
5:35
